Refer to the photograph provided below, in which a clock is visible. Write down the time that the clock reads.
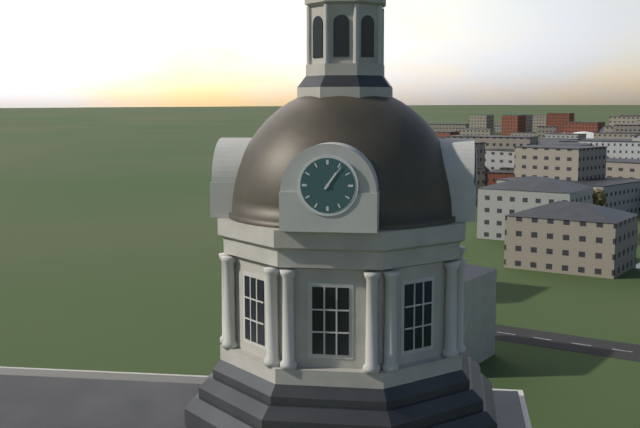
1:06
